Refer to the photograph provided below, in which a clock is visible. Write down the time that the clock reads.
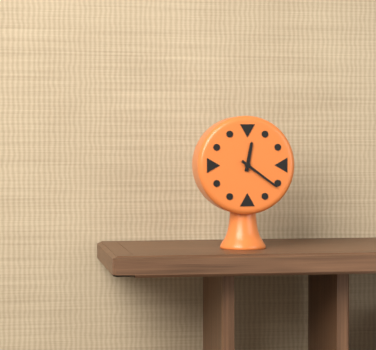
12:21
